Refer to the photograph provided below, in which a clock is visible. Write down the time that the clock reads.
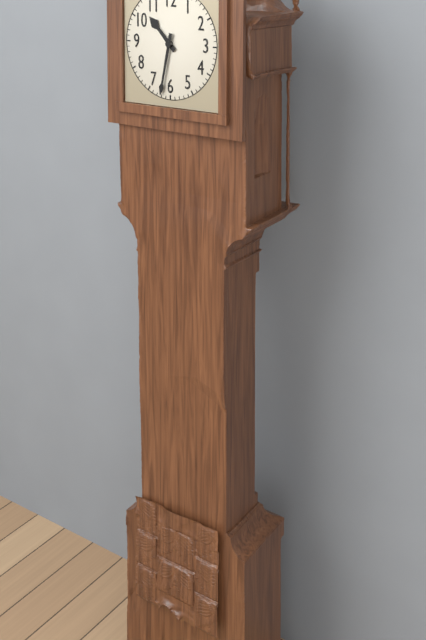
10:32
